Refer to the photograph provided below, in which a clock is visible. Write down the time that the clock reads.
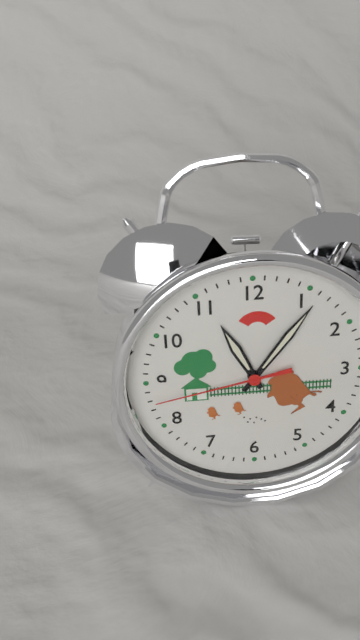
11:06:43
